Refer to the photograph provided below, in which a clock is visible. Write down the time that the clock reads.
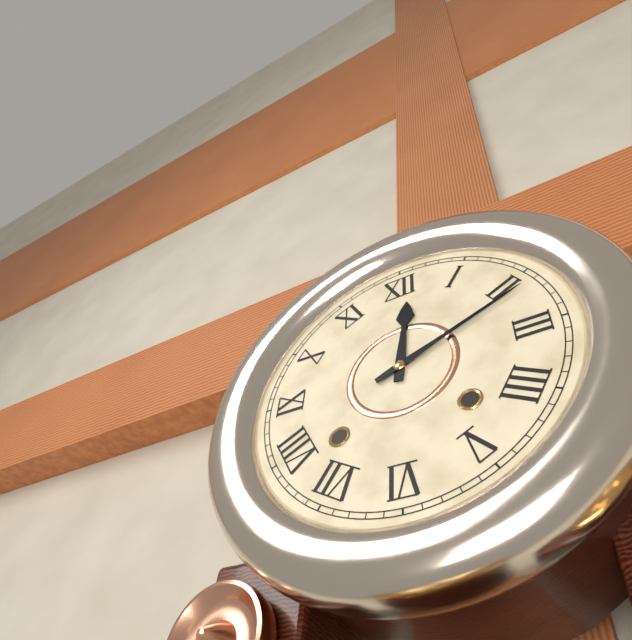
12:11
